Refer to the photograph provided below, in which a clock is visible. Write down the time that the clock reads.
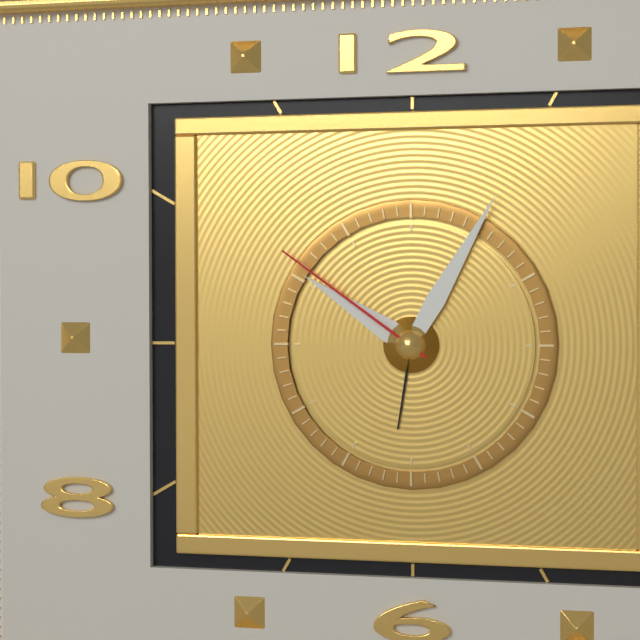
10:05:51
